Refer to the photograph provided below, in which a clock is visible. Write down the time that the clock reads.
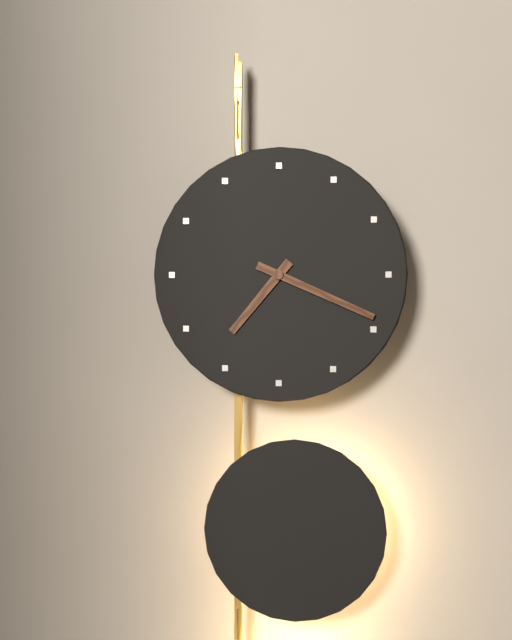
7:19
